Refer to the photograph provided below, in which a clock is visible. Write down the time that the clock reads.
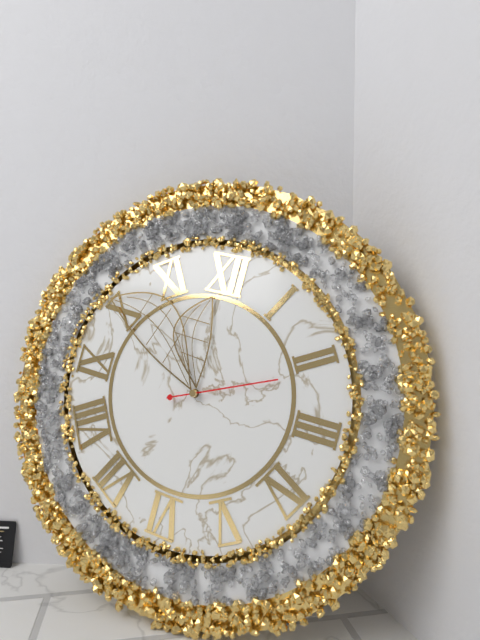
11:50:11
